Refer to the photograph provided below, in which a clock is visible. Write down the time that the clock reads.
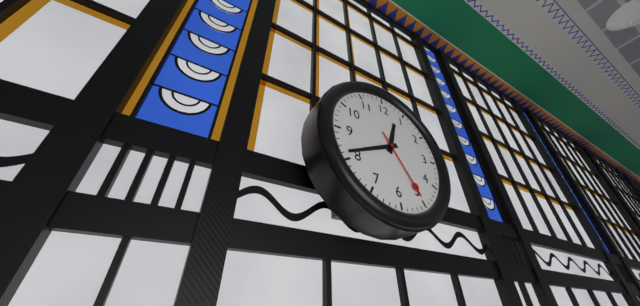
12:41:25
